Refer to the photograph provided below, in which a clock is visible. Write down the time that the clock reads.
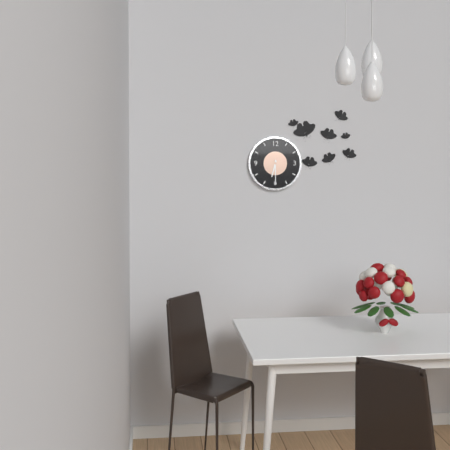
6:30
